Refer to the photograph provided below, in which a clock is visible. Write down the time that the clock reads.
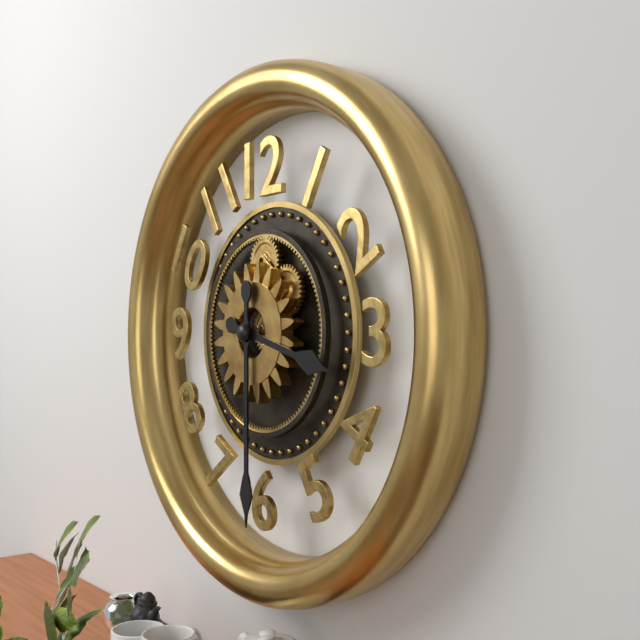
3:30
